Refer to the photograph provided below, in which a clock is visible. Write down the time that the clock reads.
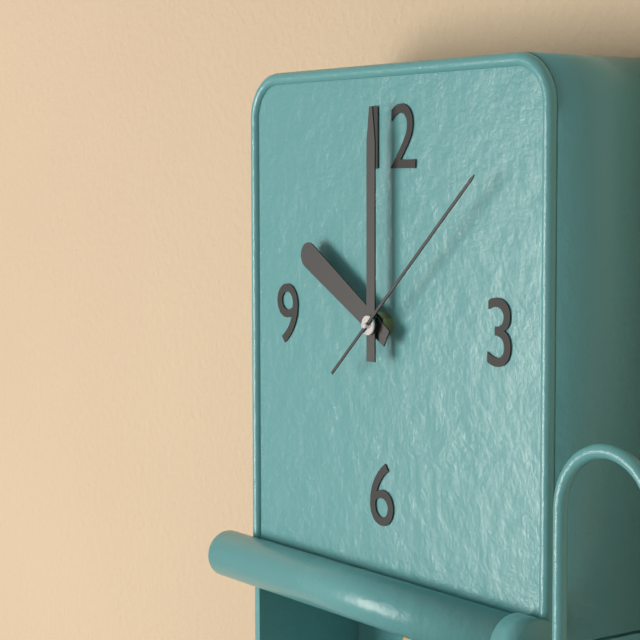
10:00:08
